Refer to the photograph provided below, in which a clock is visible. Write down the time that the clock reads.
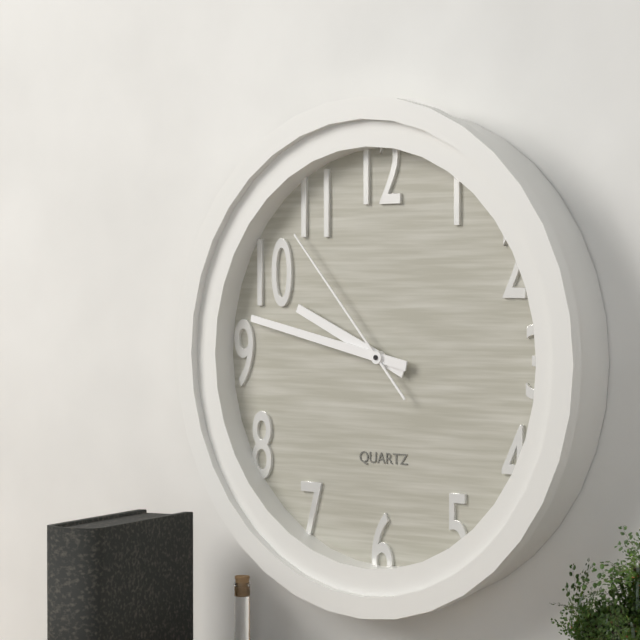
9:47:53
